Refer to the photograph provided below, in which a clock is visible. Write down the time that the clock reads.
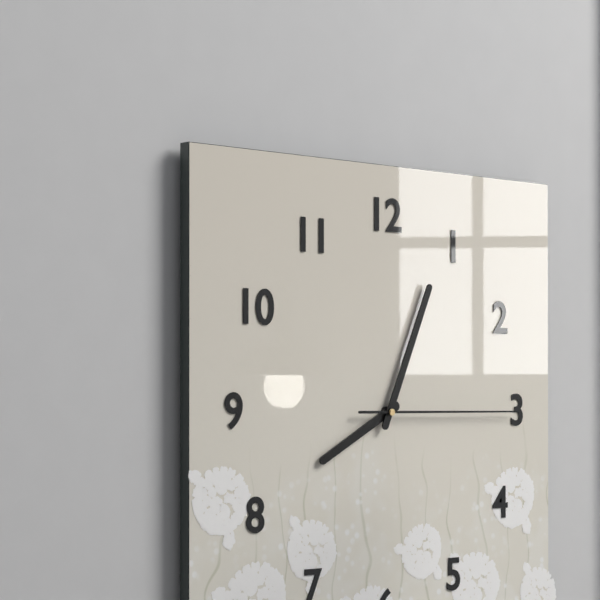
8:04:15
